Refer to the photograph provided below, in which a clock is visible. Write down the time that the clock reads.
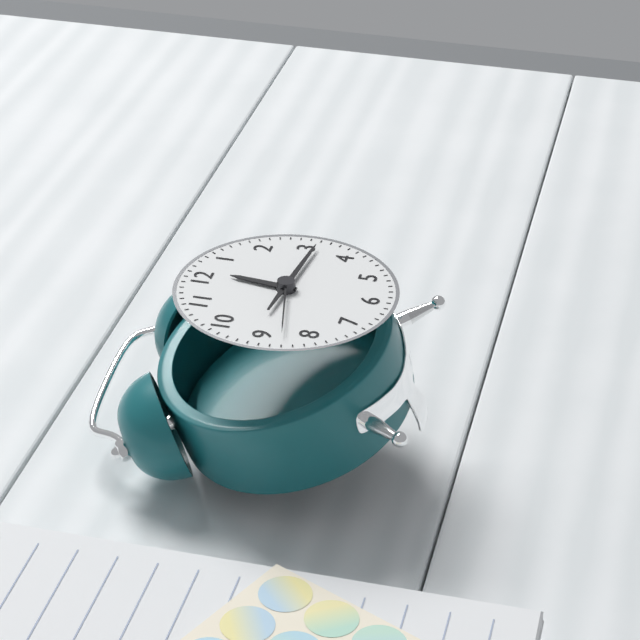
12:16:43
